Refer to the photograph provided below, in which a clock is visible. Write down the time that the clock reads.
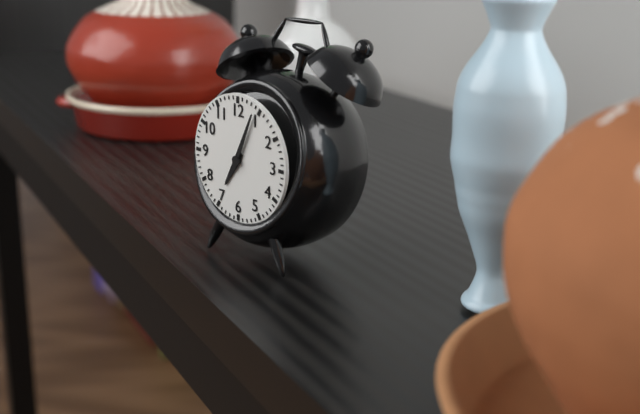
7:04
